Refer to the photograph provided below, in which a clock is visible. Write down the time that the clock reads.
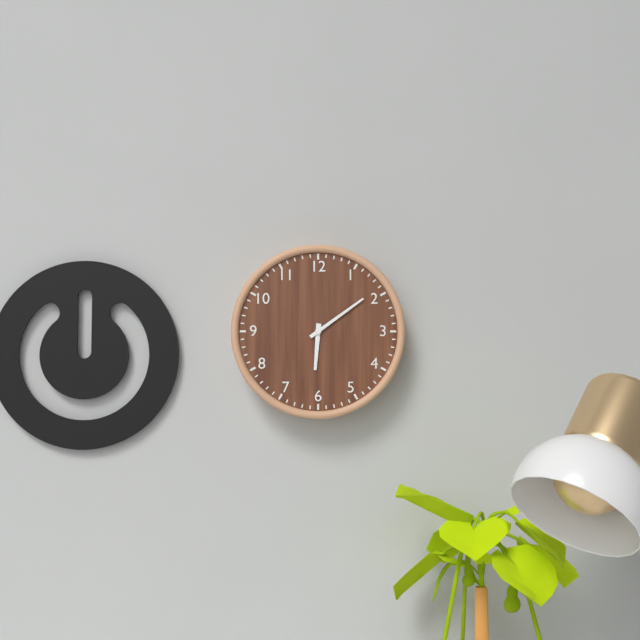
6:09
